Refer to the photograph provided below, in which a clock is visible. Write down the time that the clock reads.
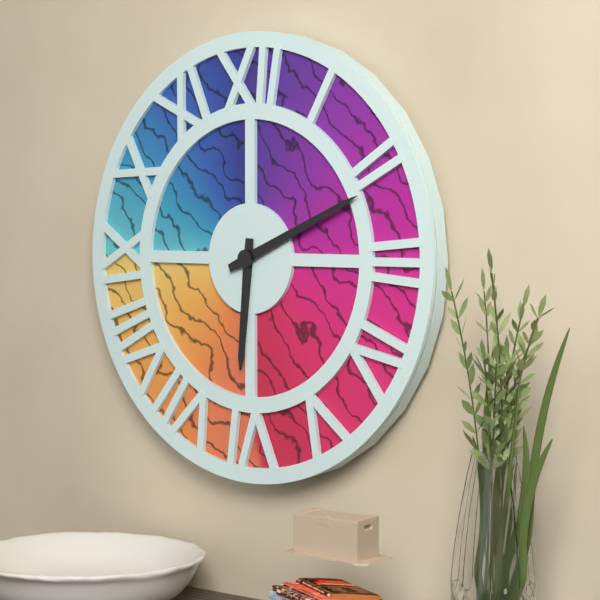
6:11
